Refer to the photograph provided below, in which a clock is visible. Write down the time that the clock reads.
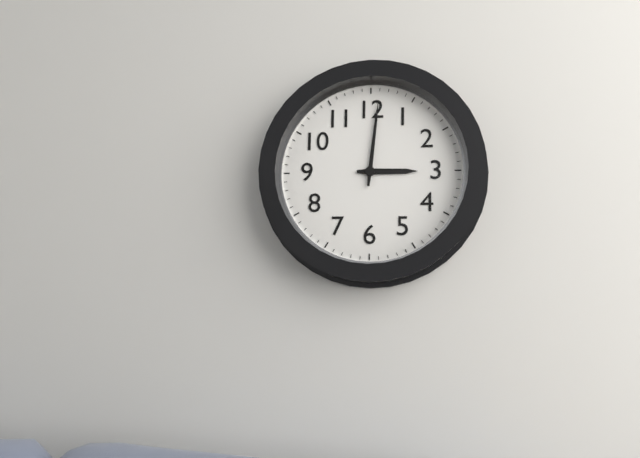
3:01
